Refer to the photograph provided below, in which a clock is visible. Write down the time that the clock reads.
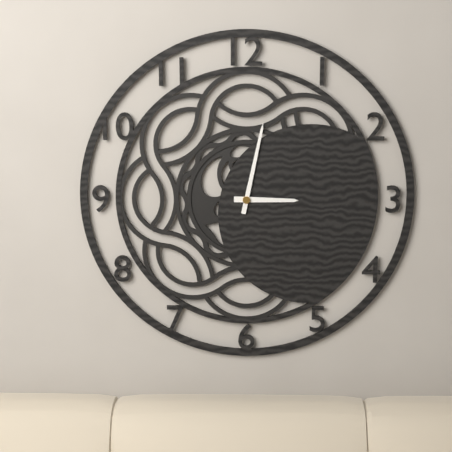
3:02
